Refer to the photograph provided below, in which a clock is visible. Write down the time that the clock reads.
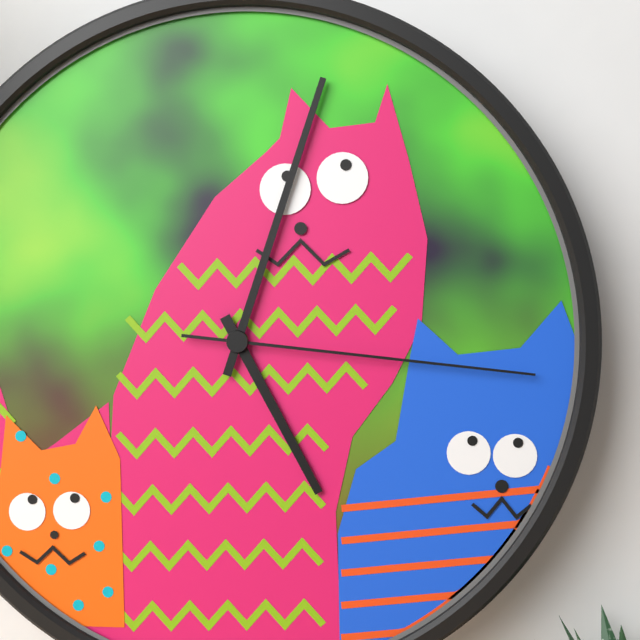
5:03:16
